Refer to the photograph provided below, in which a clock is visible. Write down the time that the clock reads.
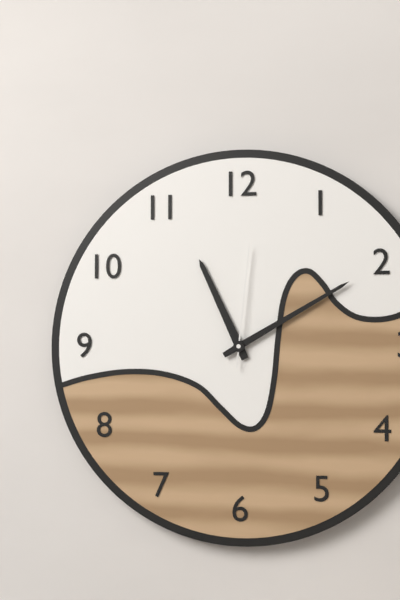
11:10:01
